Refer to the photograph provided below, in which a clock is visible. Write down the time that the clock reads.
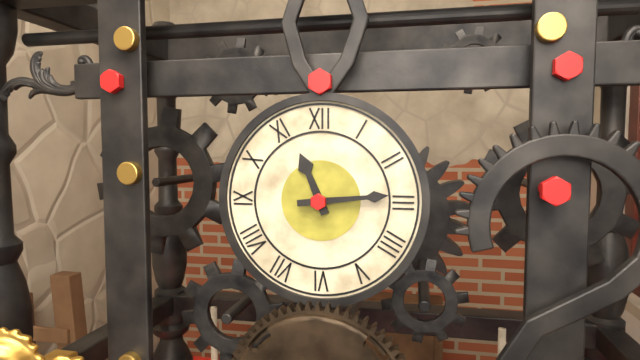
11:14
